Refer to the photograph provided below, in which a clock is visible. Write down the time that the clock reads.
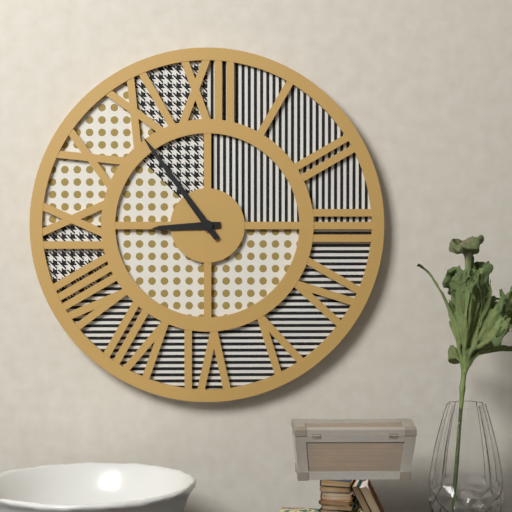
8:54
